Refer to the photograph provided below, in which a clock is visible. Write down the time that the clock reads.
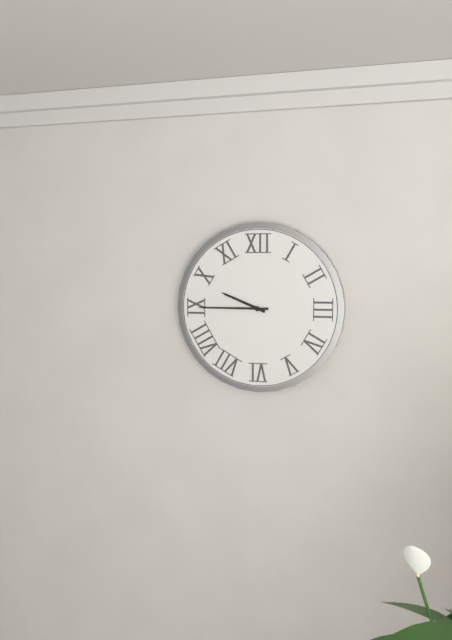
9:45
